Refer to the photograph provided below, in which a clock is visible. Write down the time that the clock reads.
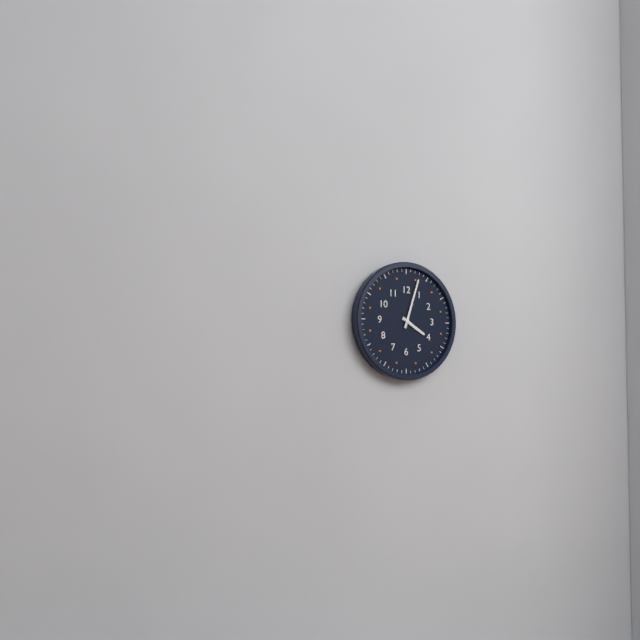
4:03
